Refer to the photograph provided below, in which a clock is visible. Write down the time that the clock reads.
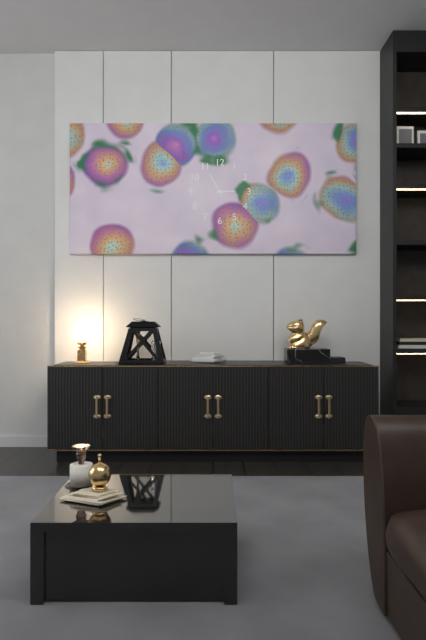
2:55
